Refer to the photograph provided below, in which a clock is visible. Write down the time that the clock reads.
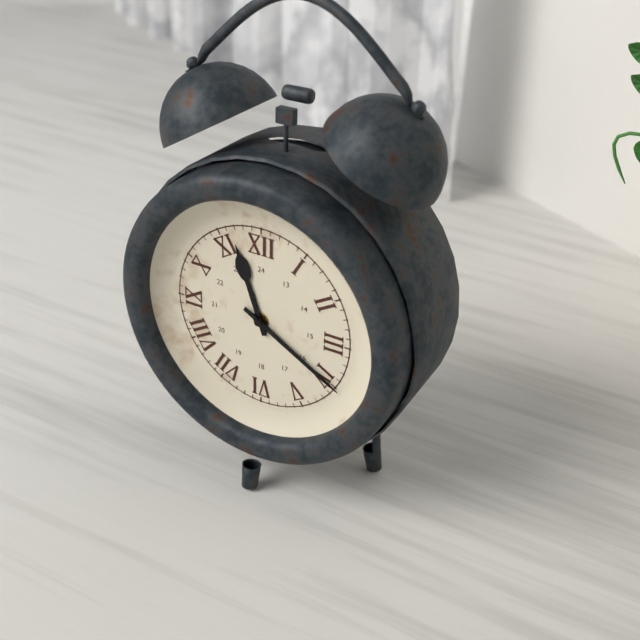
11:20
